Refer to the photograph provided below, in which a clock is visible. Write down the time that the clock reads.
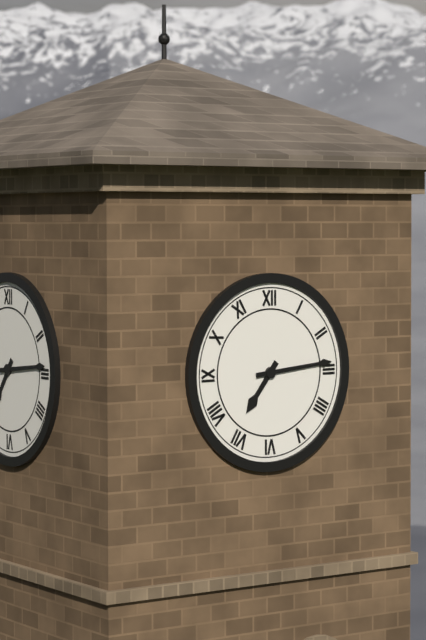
7:14
